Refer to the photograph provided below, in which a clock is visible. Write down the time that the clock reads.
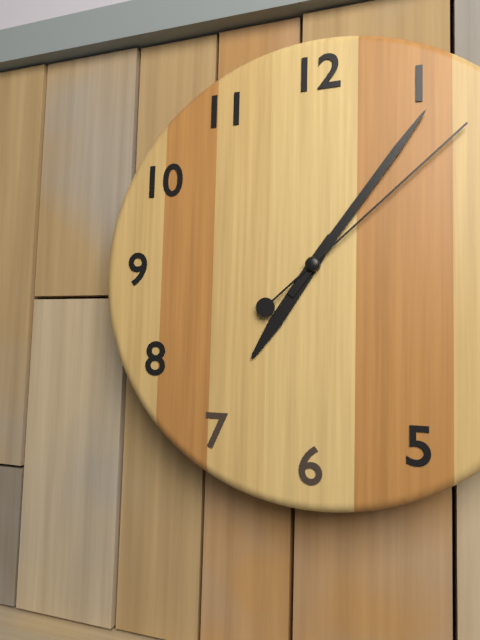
7:06:08
